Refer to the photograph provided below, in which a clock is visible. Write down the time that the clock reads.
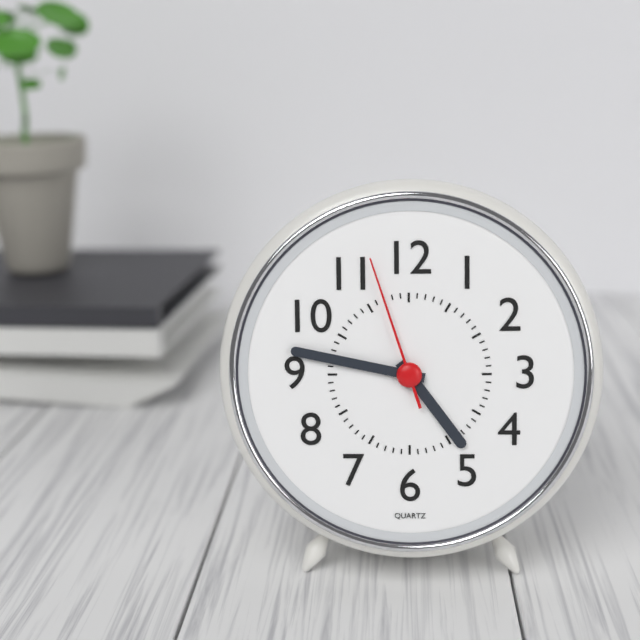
4:47:57
